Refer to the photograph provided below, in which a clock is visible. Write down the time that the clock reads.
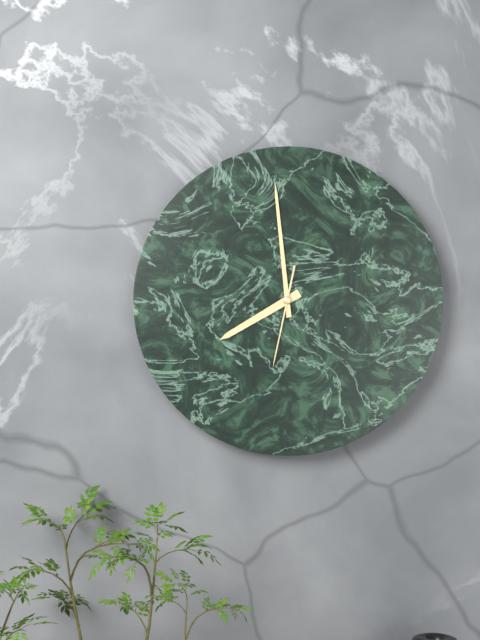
7:59:32
